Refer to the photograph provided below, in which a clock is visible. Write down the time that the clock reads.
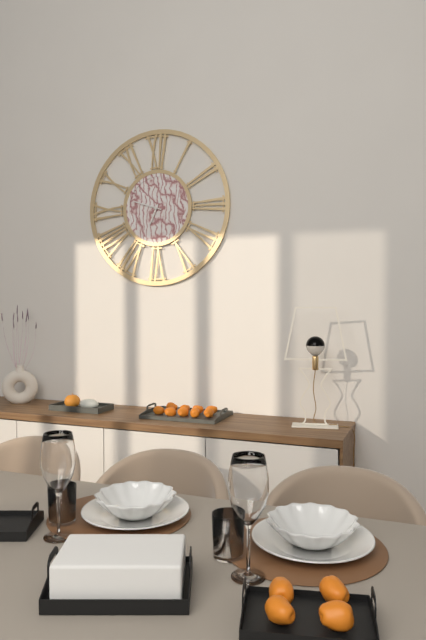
6:48
